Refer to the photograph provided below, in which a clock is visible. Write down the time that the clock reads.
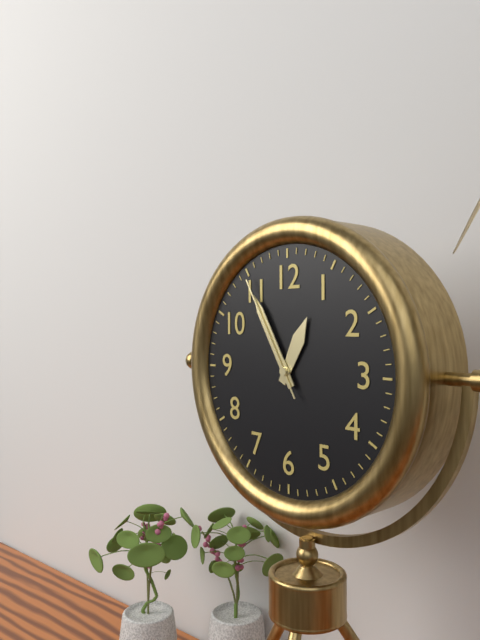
12:55:55
